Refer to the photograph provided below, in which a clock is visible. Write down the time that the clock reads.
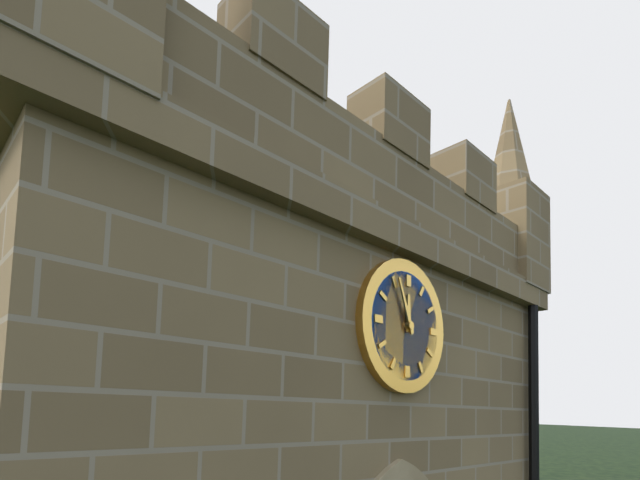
11:56
